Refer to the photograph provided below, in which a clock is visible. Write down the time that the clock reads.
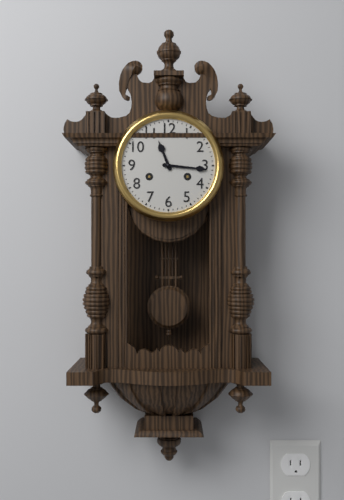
11:16
